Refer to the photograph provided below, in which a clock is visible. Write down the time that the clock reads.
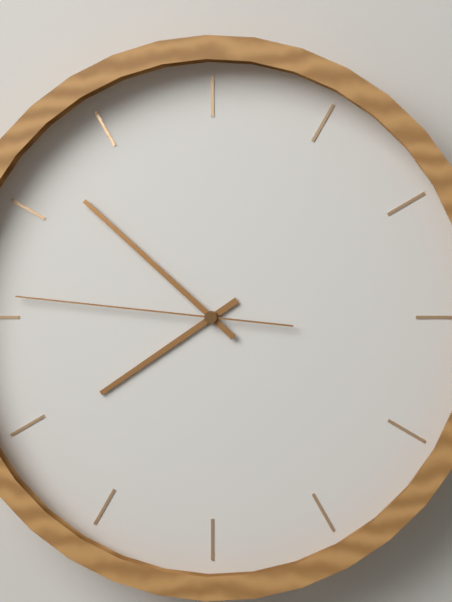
7:52:46
